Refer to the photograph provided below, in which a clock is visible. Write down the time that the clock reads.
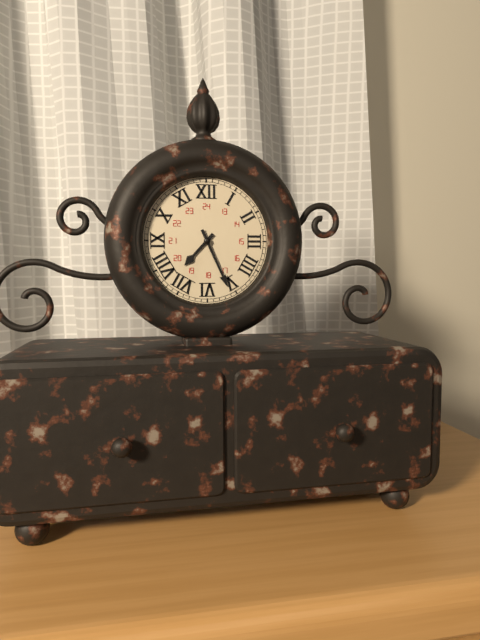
7:26
